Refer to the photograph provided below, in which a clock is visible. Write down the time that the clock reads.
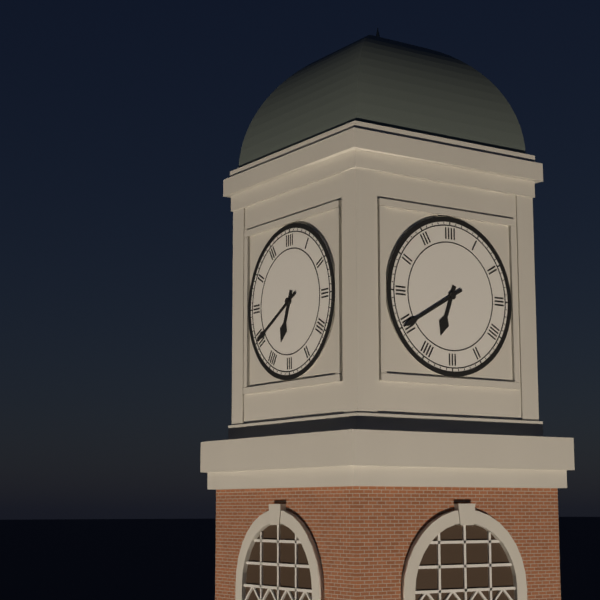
6:40
